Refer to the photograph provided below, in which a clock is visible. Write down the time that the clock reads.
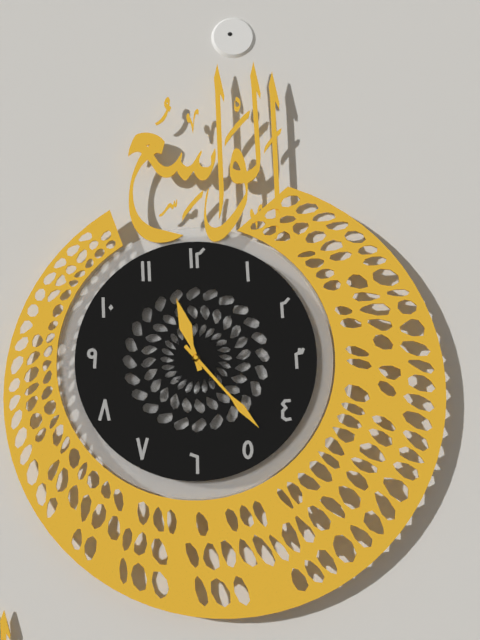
11:23
